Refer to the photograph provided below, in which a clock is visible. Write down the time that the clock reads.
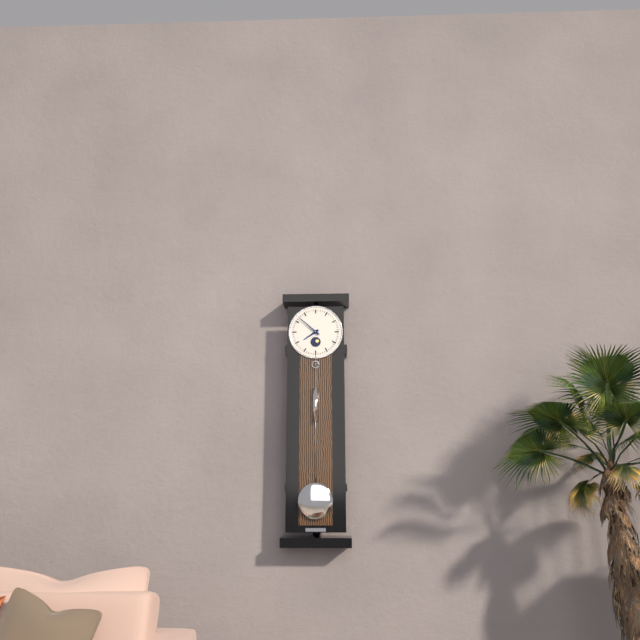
7:52
